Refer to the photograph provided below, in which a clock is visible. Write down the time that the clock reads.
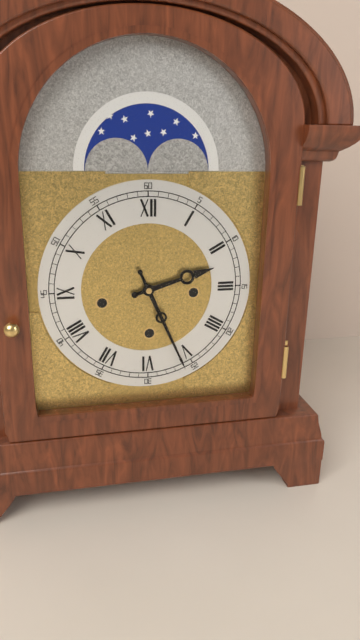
2:26
